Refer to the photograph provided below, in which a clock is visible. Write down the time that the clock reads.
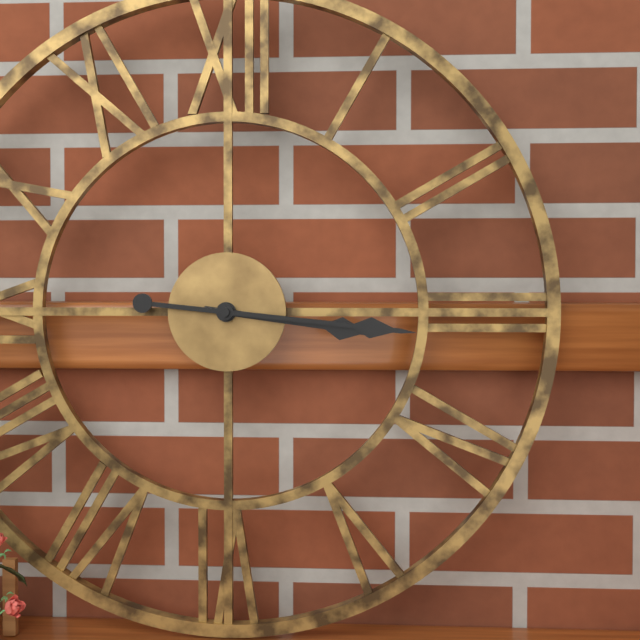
3:16
